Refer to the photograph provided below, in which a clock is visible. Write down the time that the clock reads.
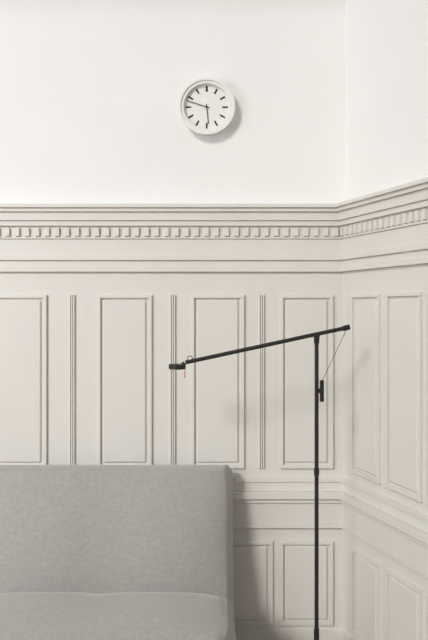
5:48
